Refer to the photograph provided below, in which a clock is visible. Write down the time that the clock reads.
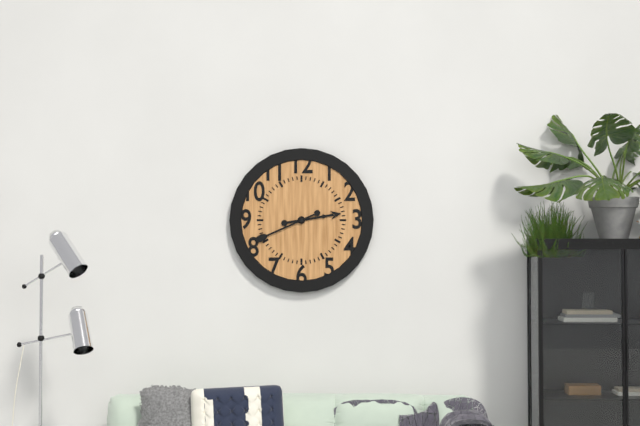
2:41
